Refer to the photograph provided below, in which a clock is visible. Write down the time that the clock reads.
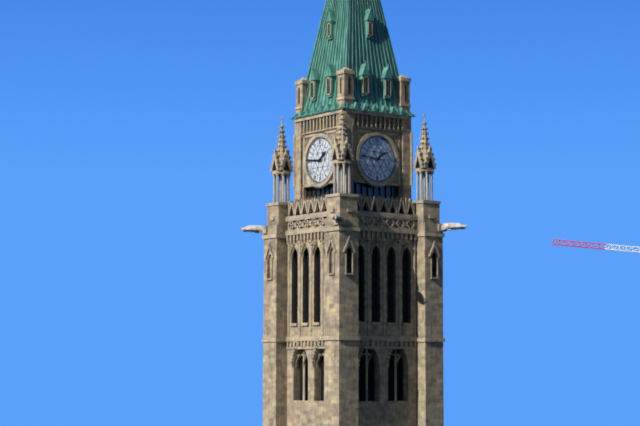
1:46
